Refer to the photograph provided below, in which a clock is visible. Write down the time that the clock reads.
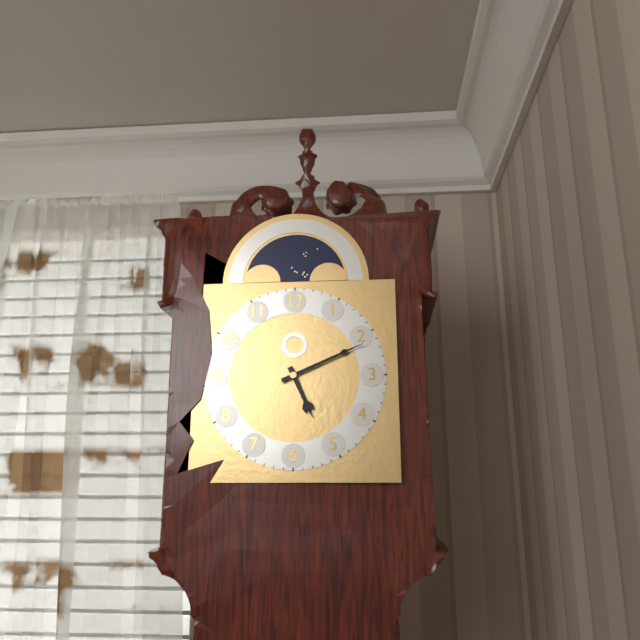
5:11
